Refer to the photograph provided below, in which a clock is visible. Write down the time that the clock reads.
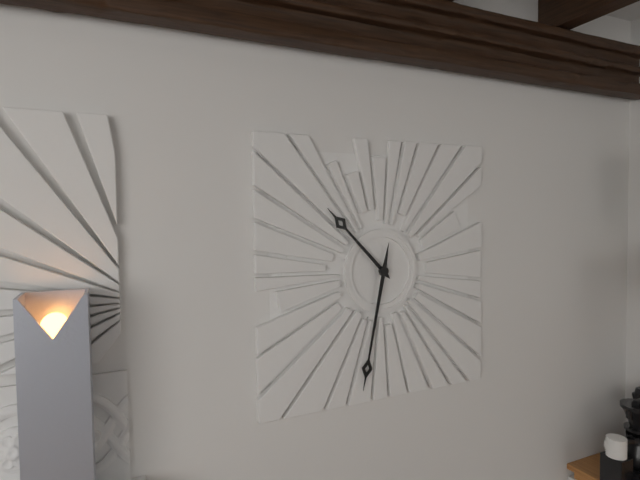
10:32
